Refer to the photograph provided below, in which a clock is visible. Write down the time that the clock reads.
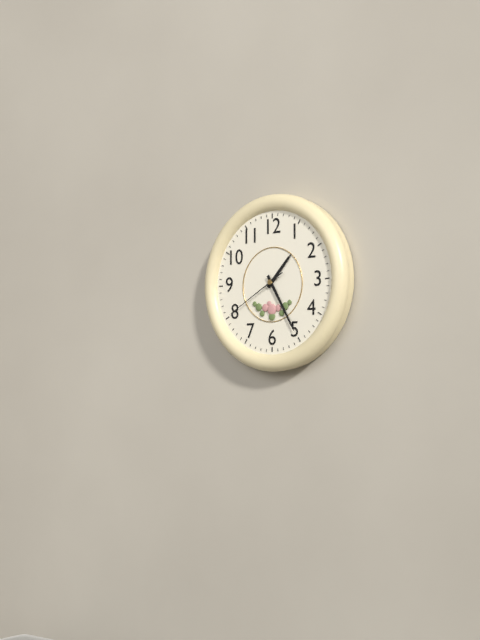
1:25:40
